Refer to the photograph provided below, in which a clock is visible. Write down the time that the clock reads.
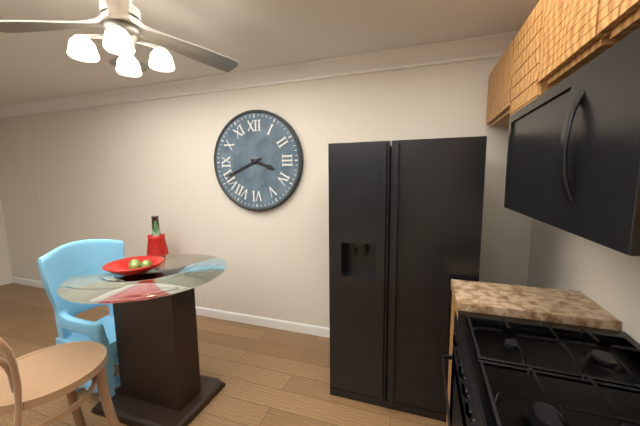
3:41
